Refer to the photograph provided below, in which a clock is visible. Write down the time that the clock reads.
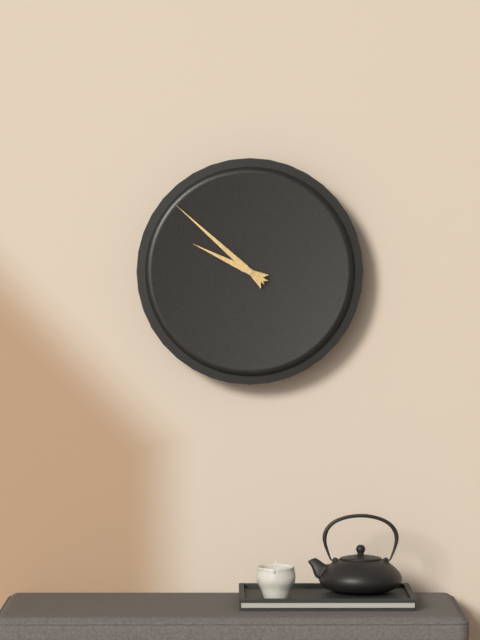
9:52
